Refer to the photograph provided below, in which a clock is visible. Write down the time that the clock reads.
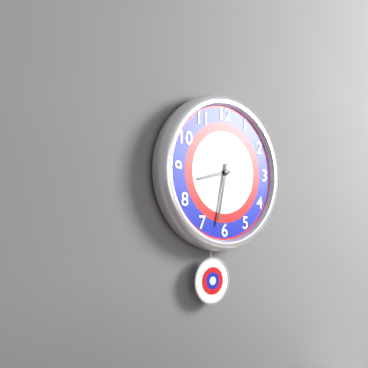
8:32
